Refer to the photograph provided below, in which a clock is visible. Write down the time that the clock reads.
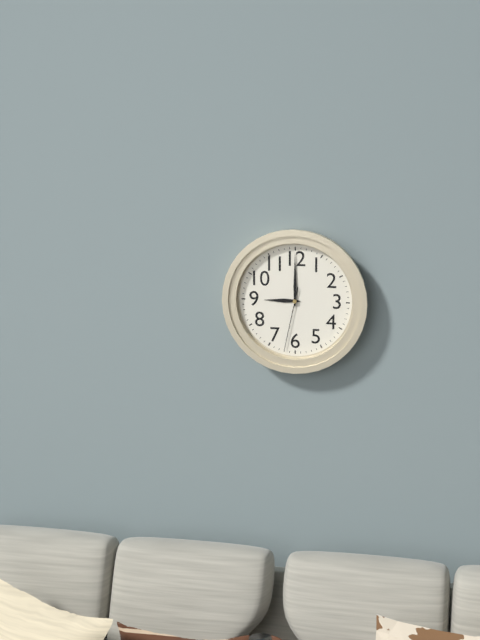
9:00:32
